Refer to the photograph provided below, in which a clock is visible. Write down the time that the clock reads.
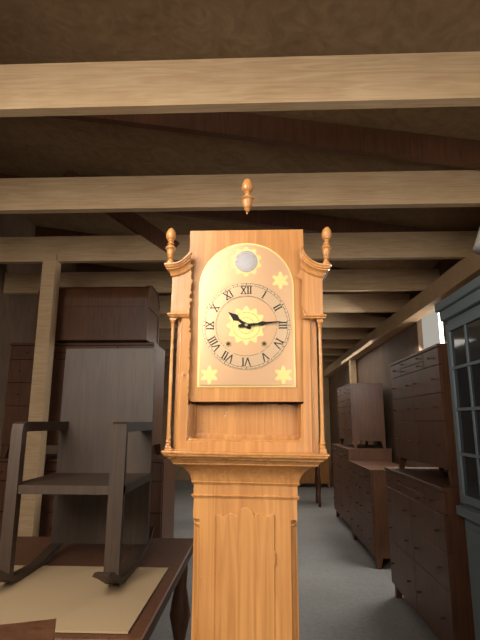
10:14
